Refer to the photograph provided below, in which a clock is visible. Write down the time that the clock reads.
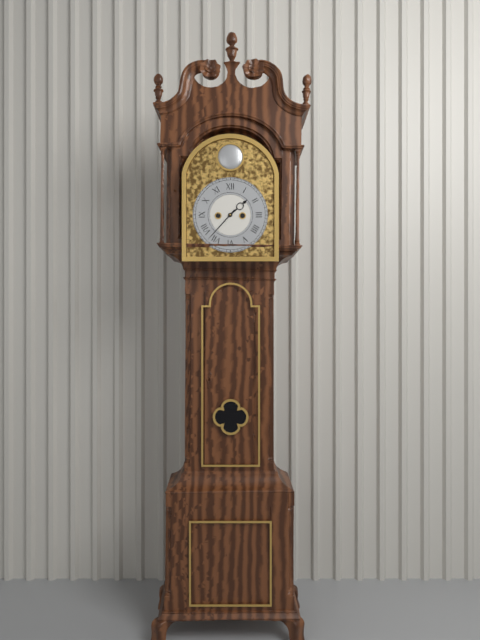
1:37
